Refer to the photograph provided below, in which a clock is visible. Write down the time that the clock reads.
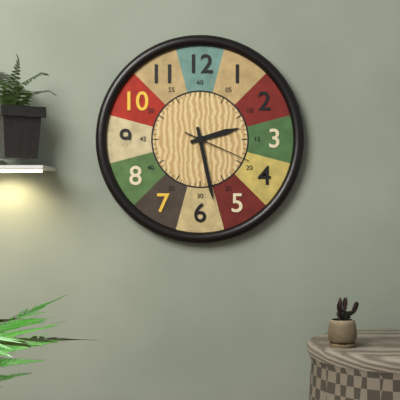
2:28:19
